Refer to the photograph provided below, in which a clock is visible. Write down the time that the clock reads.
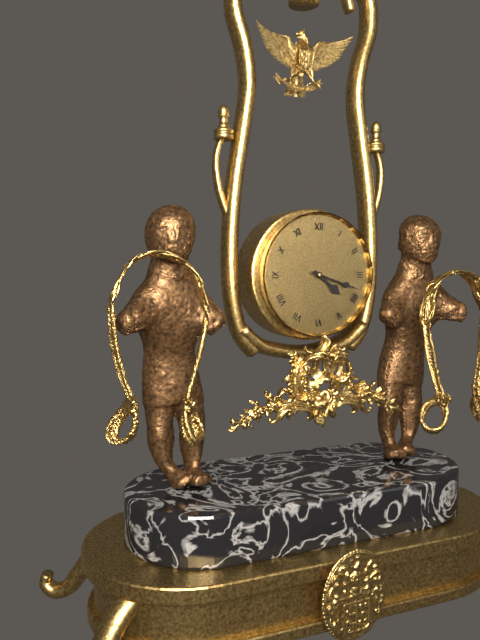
4:18
